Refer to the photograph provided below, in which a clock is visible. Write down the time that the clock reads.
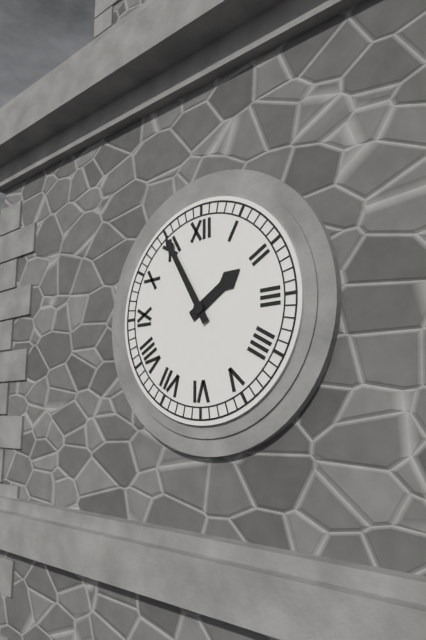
1:55
